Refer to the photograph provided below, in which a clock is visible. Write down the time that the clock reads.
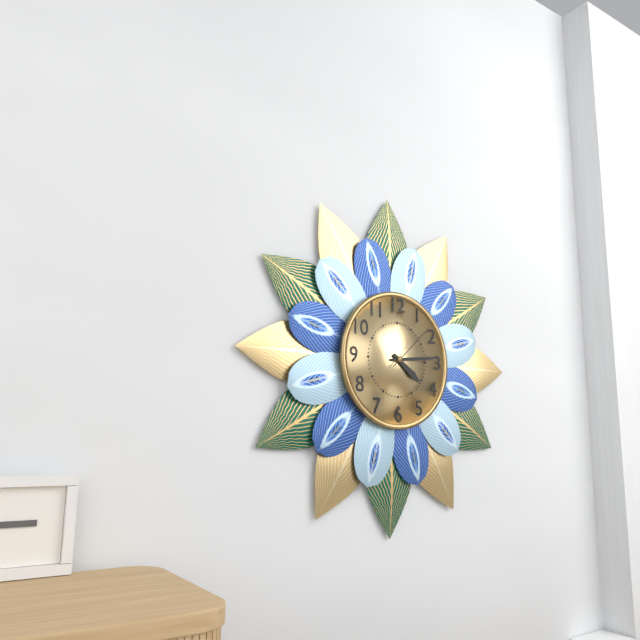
4:14:08
